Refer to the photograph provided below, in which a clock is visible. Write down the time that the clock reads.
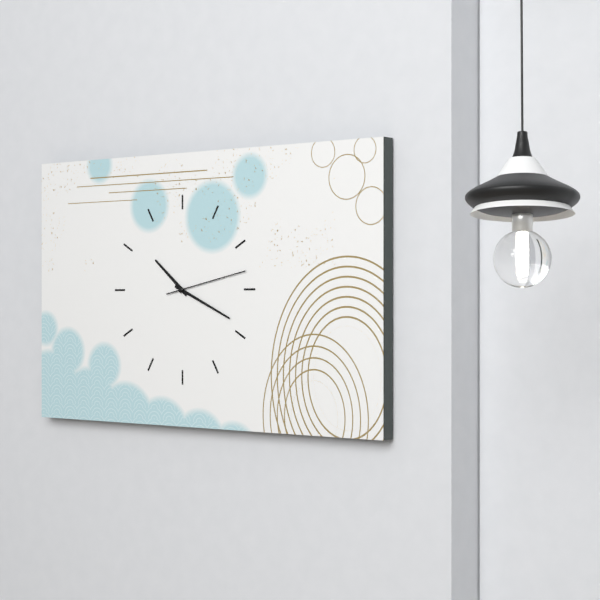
10:19:13
